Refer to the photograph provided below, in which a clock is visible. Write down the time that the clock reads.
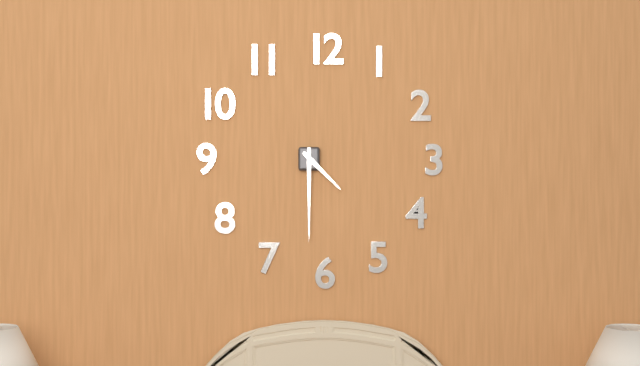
4:30
